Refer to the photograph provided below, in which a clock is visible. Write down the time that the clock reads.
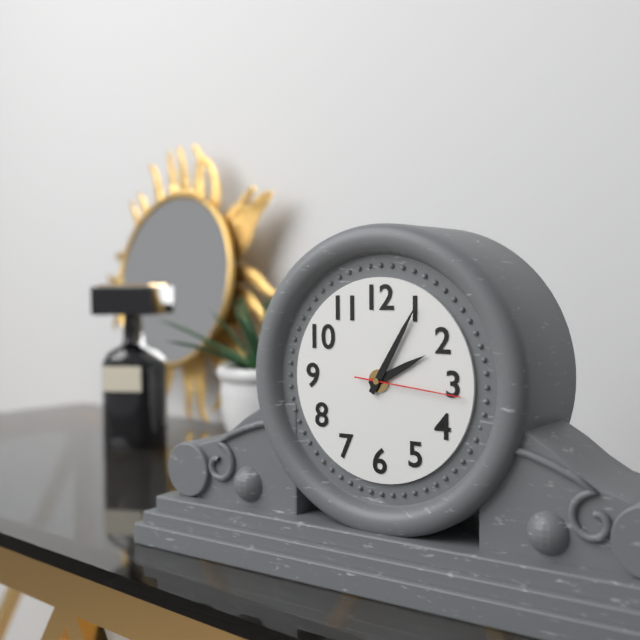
2:05:16
